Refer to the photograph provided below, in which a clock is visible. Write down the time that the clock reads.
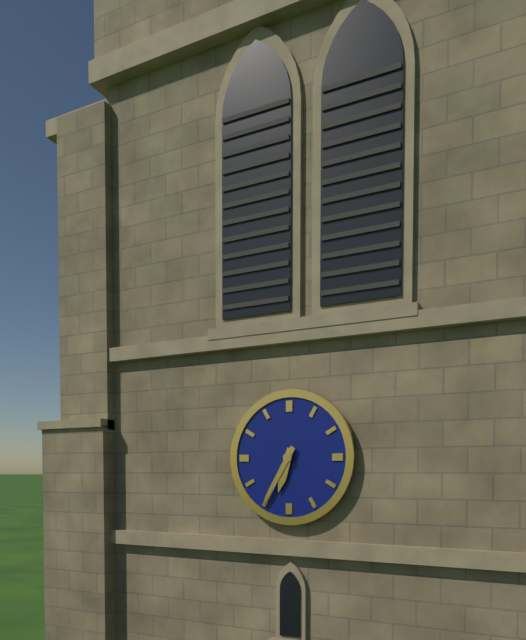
6:35
